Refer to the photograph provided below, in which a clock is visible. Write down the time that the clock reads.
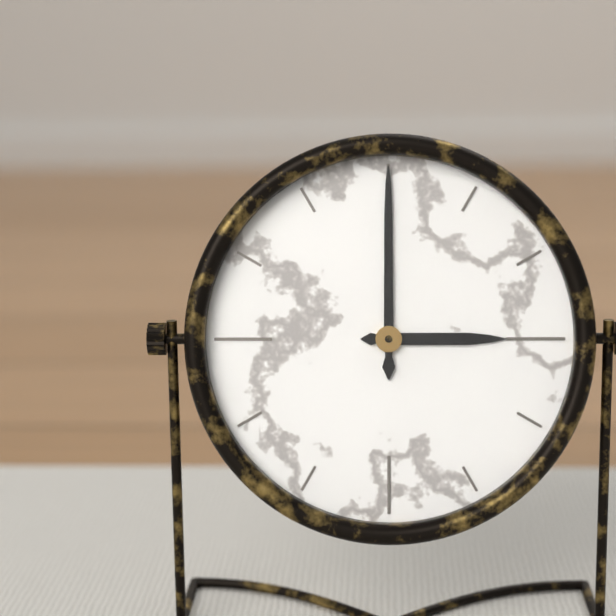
3:00
